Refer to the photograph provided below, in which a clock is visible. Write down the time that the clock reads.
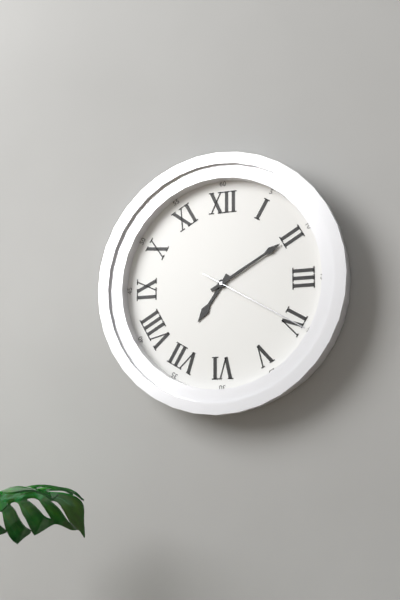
7:10:20
